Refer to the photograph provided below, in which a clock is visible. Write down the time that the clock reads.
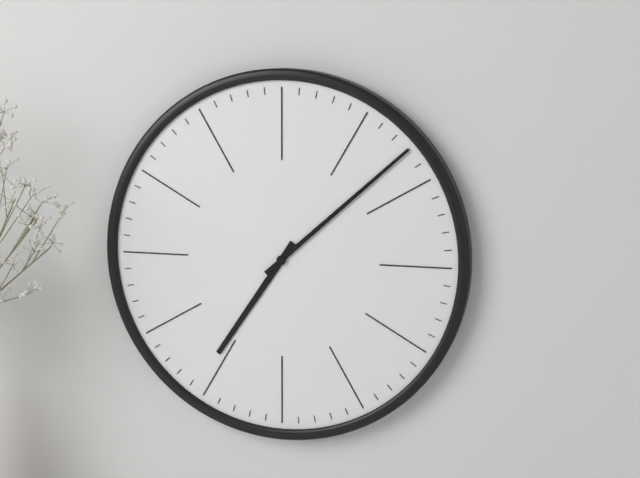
7:08
